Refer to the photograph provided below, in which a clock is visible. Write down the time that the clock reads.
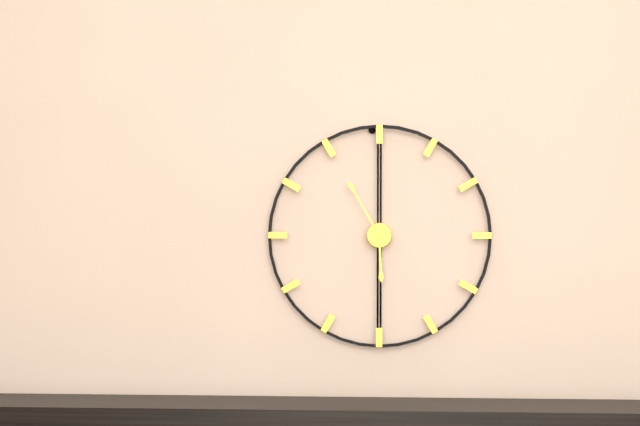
5:55
